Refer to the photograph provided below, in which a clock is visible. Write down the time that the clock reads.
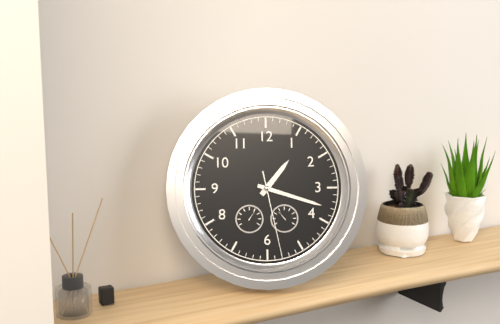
1:18:28
